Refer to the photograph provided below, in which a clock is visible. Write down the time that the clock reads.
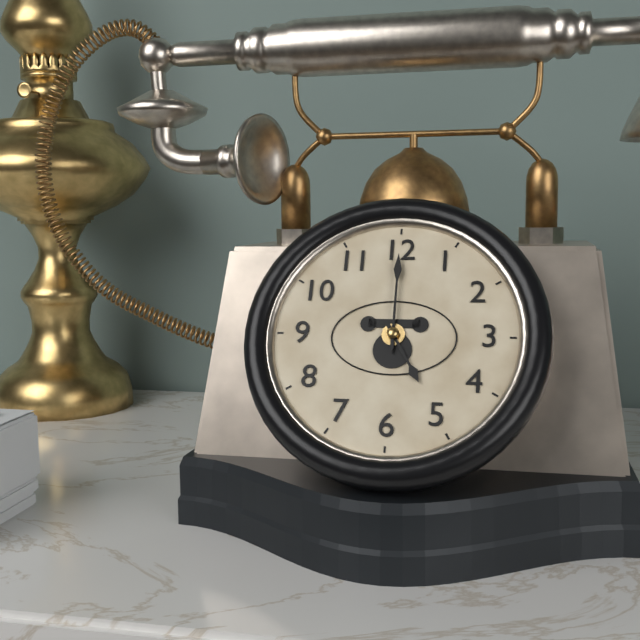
5:00
